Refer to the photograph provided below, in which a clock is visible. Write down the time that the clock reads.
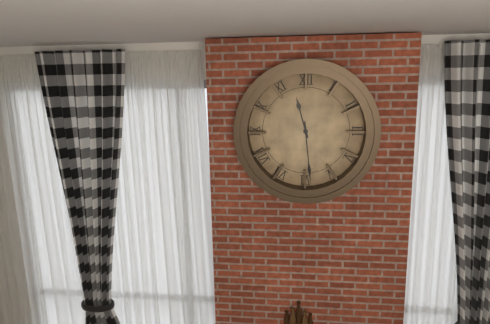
11:29
